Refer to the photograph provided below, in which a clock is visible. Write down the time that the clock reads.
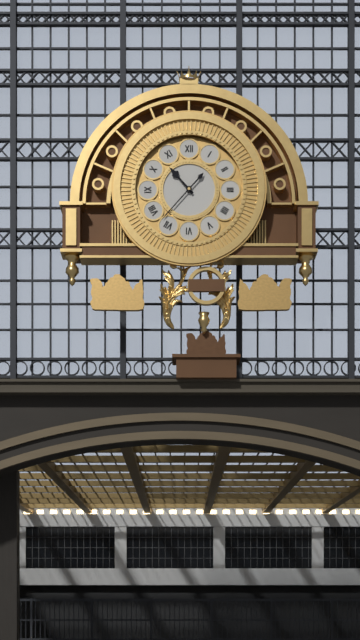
10:37
